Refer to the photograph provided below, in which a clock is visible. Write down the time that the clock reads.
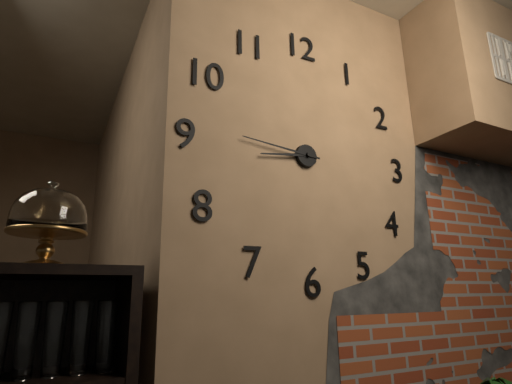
8:46
